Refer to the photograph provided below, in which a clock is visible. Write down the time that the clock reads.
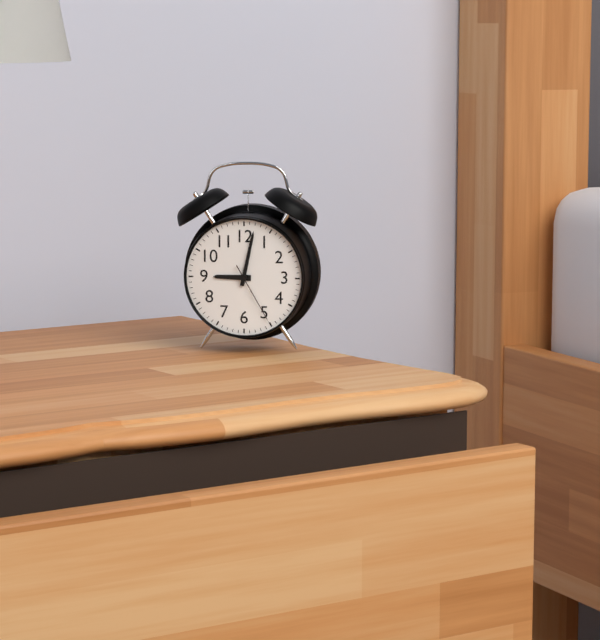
9:02:25
